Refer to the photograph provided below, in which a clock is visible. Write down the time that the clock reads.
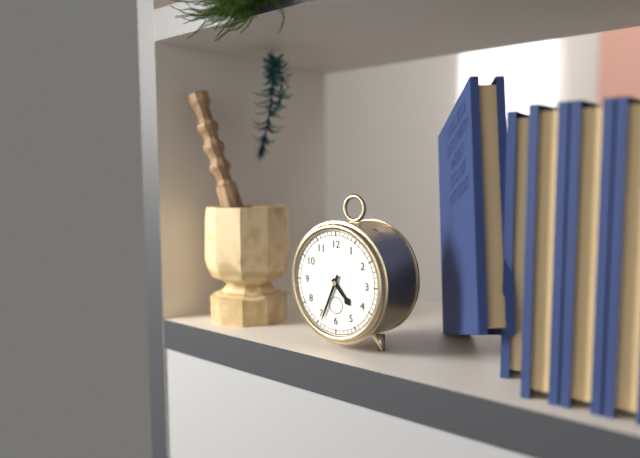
4:34
